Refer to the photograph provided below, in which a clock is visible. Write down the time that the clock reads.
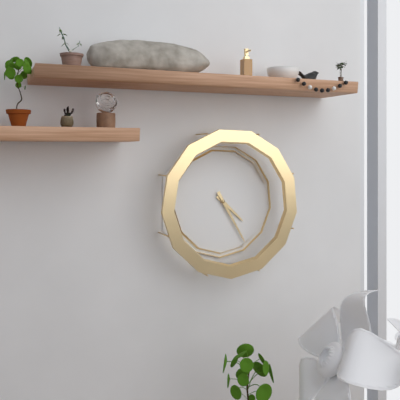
4:25
